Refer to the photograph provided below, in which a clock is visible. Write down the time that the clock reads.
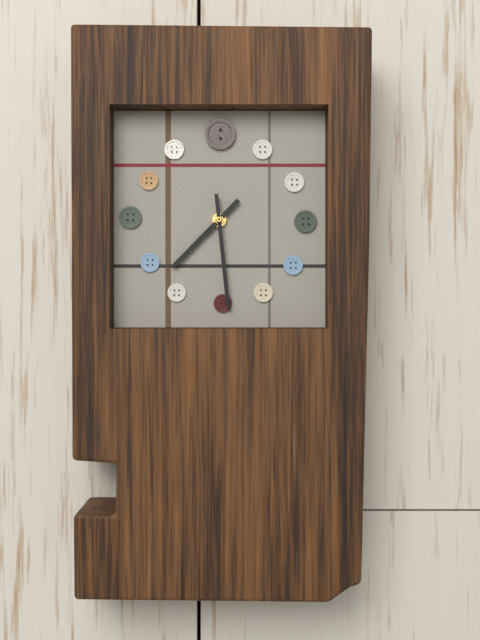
7:29
